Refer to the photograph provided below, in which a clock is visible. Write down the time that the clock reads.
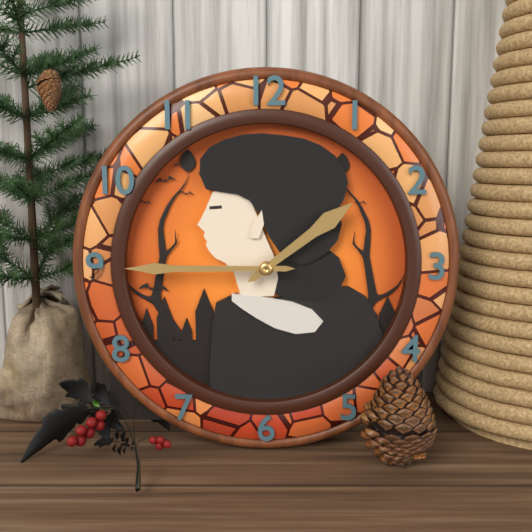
1:45
